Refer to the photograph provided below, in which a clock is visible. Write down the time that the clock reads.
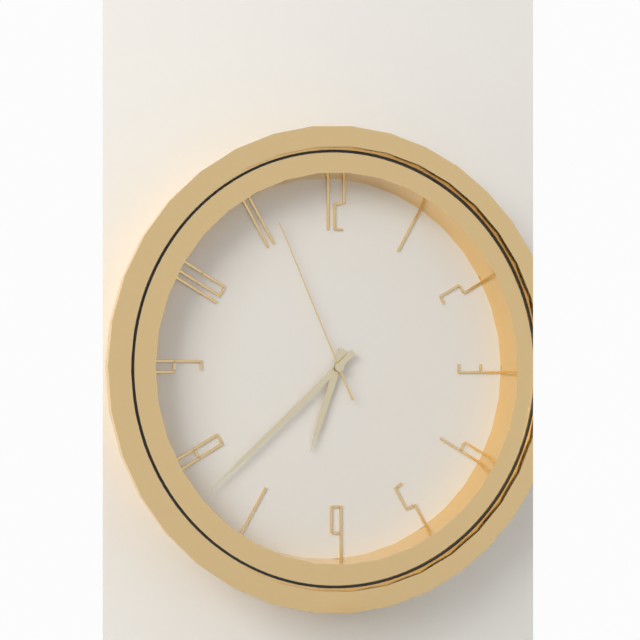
6:38:56
